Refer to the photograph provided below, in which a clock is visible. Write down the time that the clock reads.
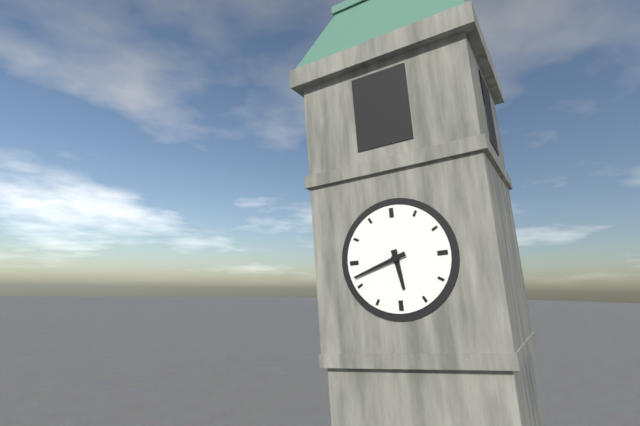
5:42
